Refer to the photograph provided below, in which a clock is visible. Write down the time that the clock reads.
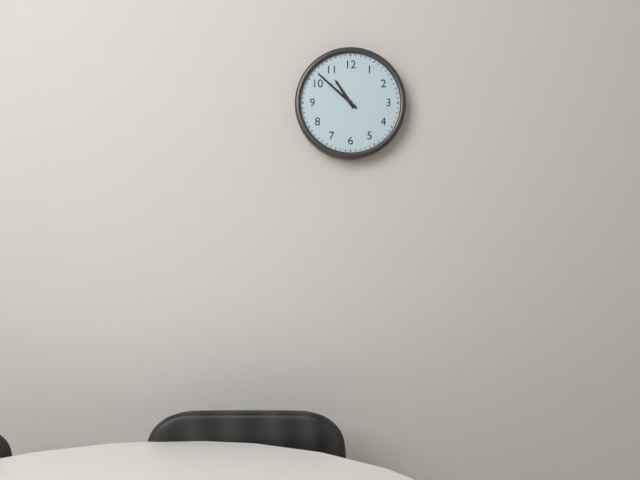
10:52
